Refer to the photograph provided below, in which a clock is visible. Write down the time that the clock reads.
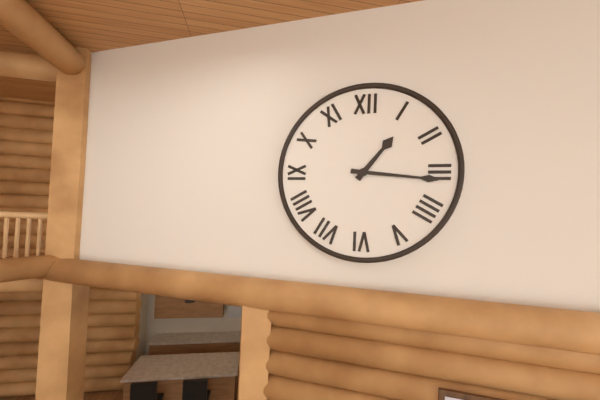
1:16
